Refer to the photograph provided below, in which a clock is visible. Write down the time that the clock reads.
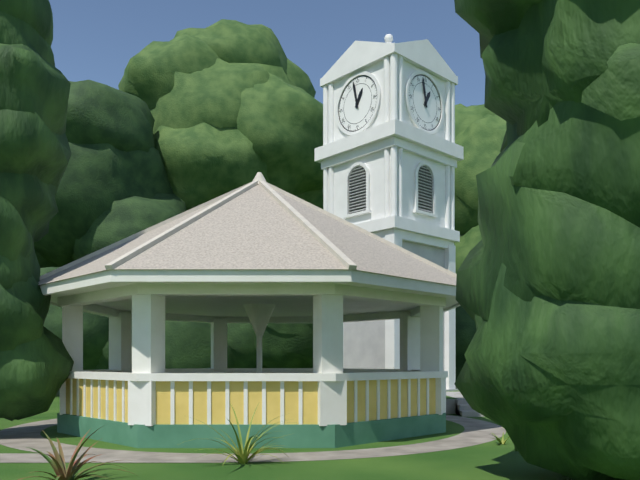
12:58
